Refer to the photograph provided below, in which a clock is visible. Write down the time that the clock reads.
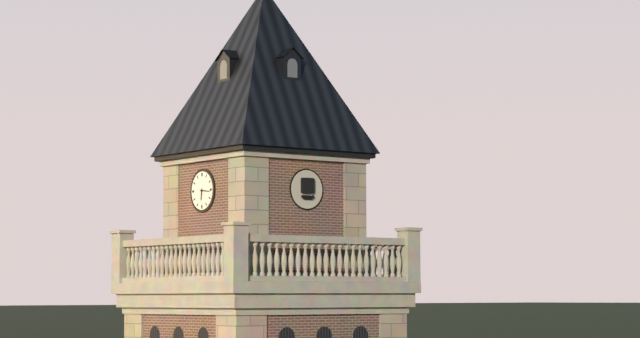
6:16
